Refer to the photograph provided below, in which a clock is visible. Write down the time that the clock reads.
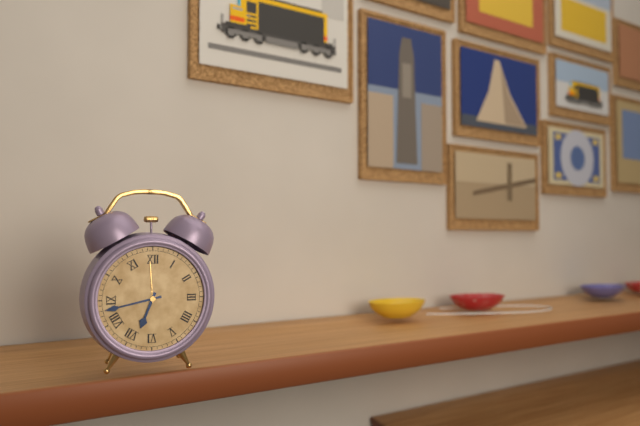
6:43
